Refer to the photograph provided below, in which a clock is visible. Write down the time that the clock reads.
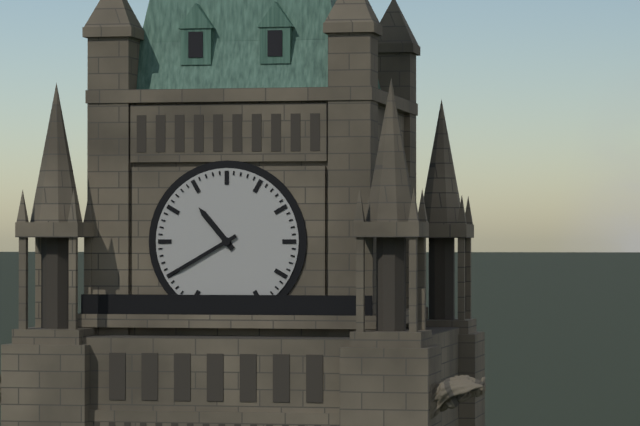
10:40
